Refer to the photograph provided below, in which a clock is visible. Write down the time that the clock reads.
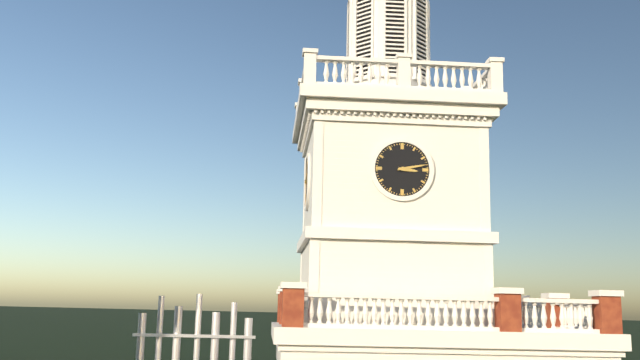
3:13
